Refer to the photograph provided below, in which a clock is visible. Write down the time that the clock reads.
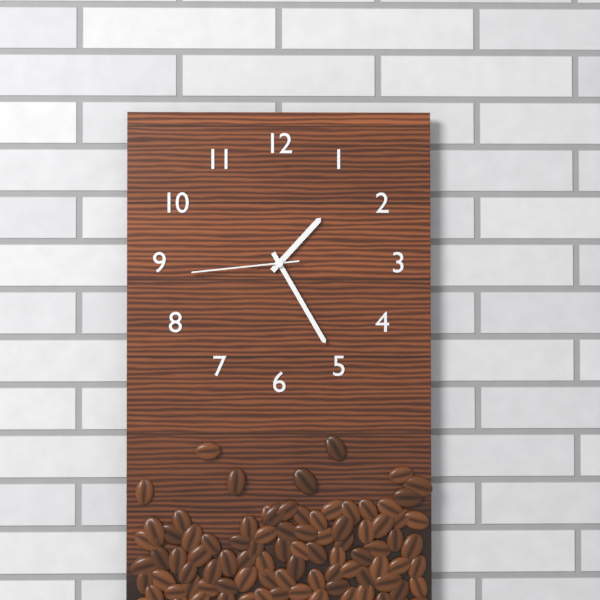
1:25:44
